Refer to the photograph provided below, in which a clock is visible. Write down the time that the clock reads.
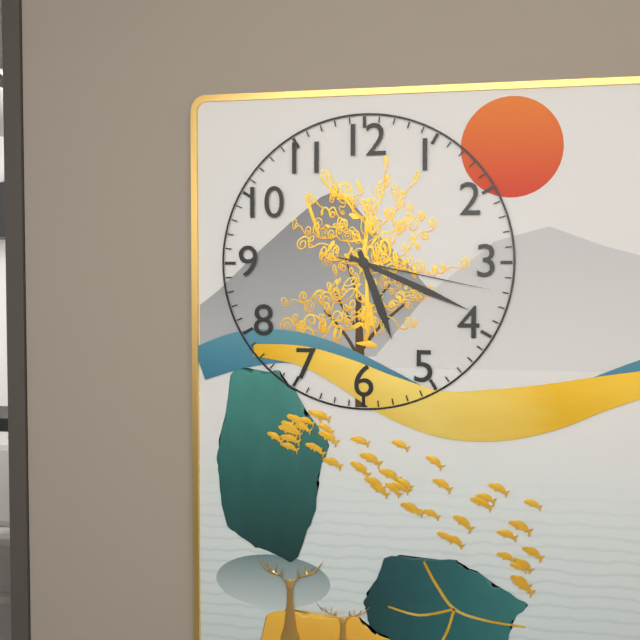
5:19:17
